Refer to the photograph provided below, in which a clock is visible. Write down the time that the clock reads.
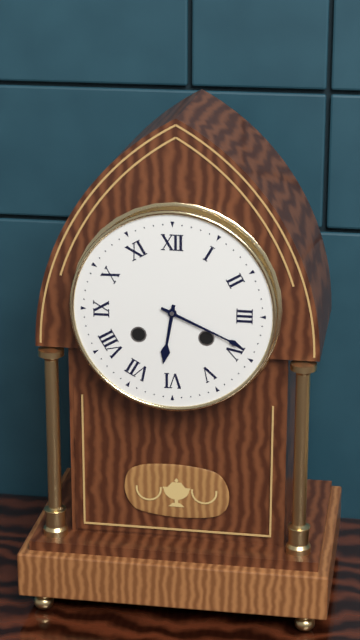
6:19
